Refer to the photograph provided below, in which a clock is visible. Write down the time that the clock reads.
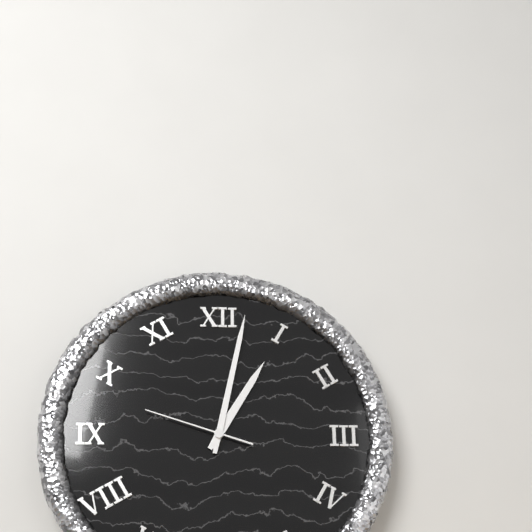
1:02:48
